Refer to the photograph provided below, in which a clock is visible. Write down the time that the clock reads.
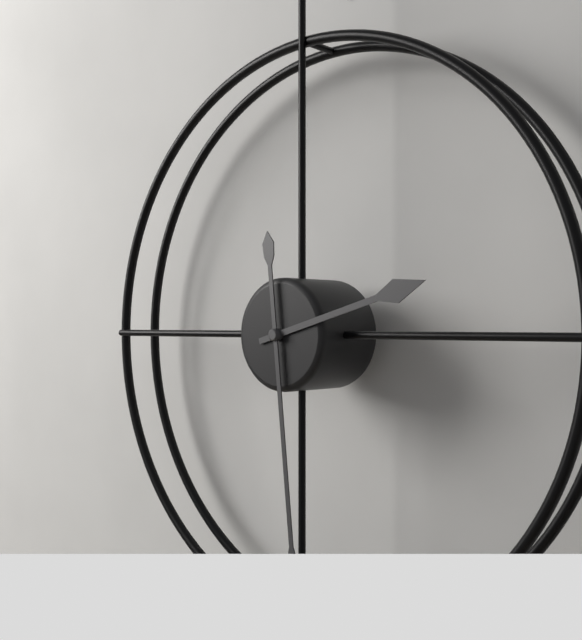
2:29
